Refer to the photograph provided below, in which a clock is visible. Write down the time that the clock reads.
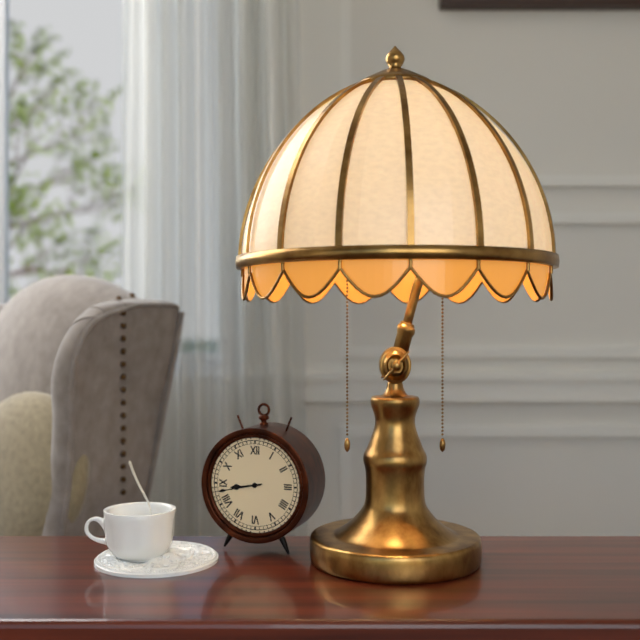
8:43
